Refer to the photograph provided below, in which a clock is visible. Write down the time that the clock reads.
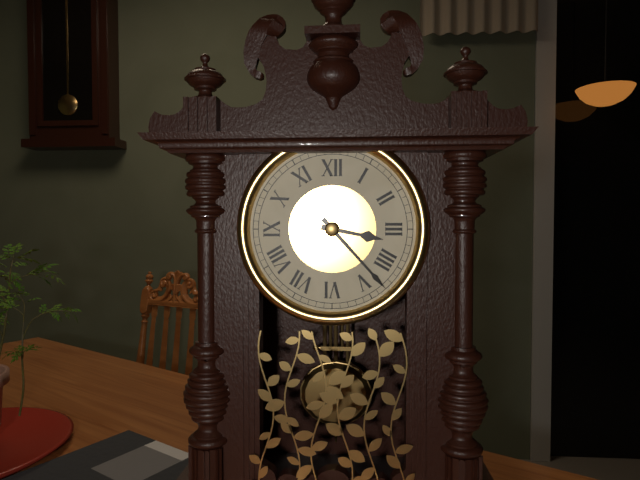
3:23
